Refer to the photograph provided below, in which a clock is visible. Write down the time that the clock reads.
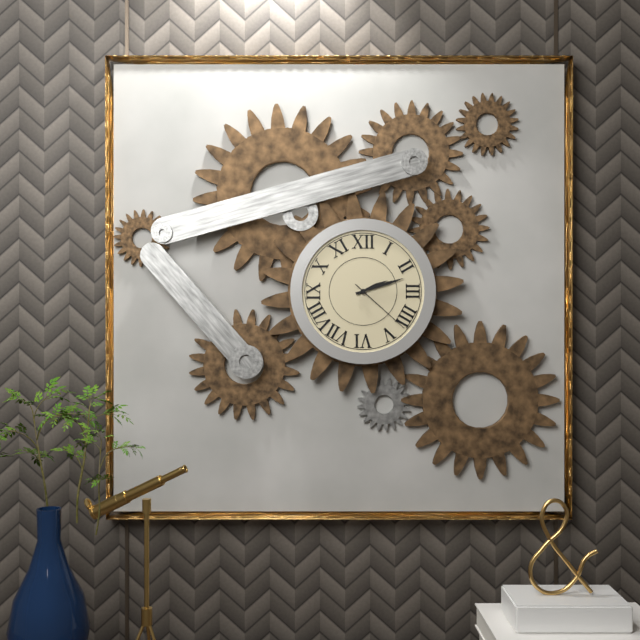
2:12:22
